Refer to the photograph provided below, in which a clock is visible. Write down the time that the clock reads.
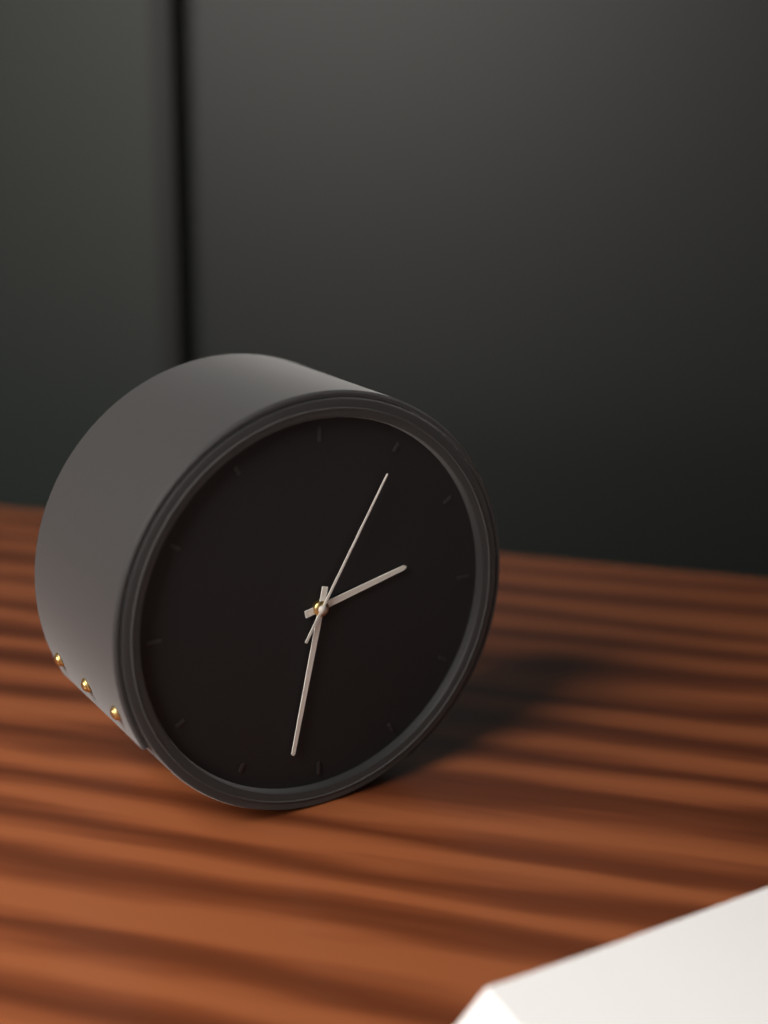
2:32:05
